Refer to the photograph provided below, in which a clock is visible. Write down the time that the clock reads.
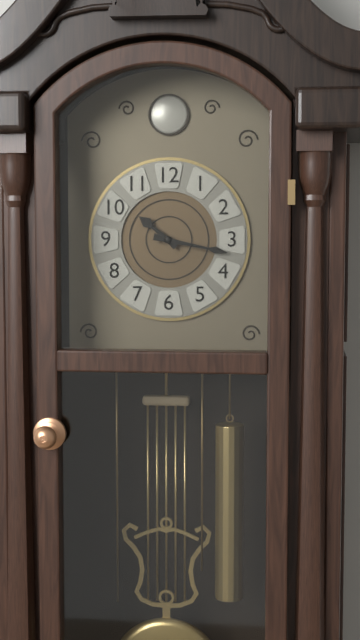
10:17
